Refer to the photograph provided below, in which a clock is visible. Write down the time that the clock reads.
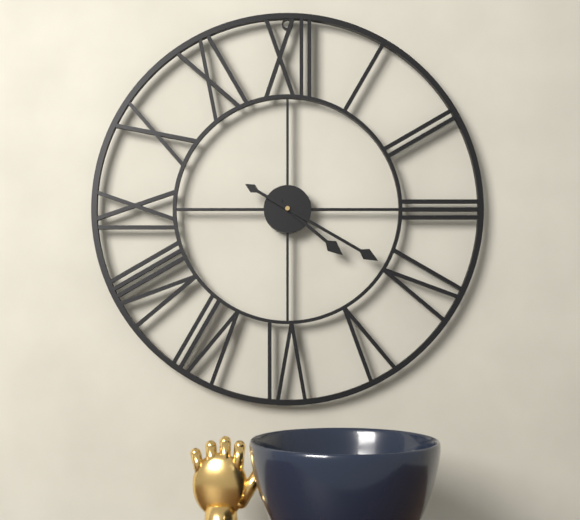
4:20
